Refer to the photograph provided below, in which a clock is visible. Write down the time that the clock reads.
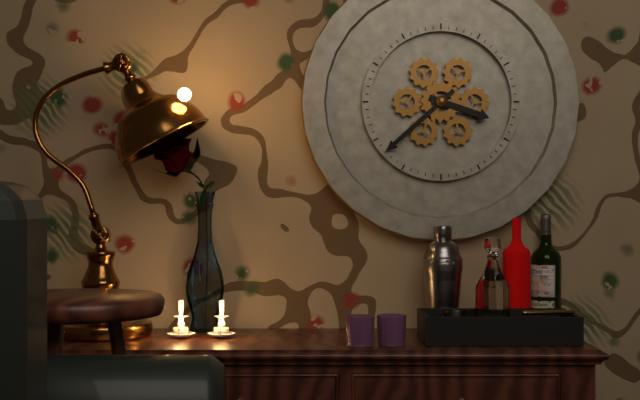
3:38
